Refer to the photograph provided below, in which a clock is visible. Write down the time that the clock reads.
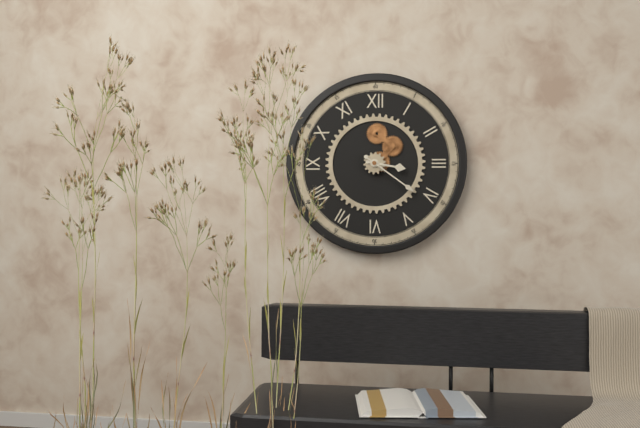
3:21
